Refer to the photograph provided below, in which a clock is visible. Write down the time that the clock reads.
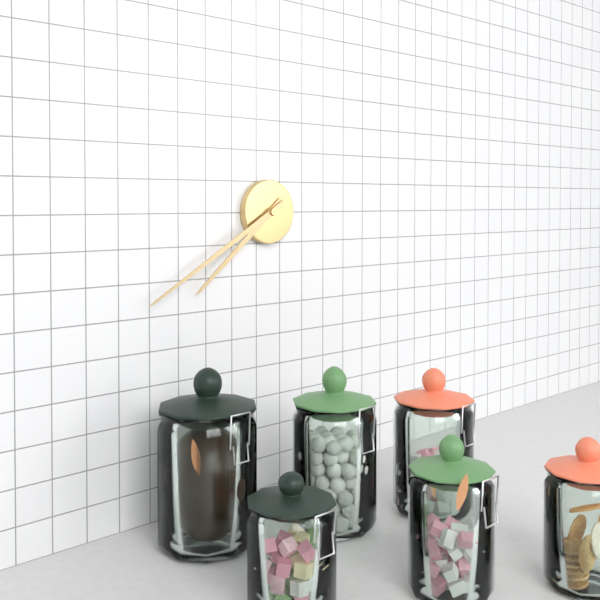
7:40
